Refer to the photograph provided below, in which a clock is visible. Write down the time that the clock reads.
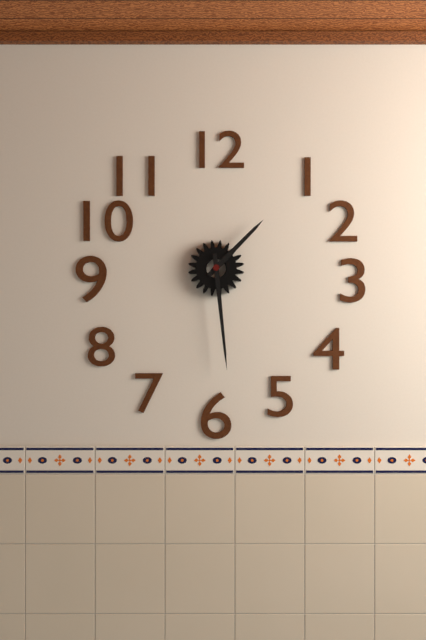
1:29
